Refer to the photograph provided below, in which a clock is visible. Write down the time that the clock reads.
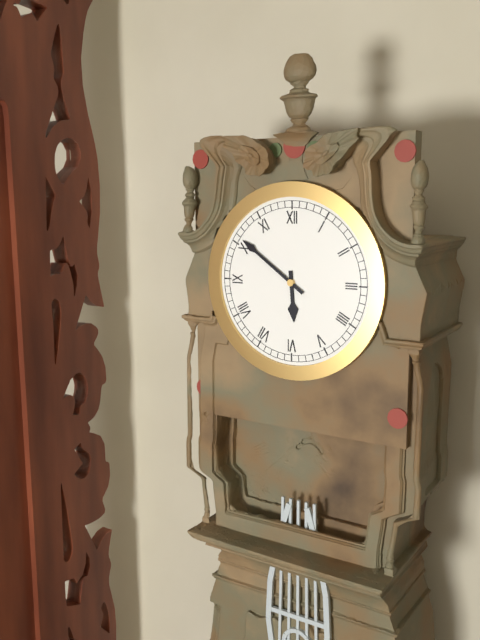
5:51
